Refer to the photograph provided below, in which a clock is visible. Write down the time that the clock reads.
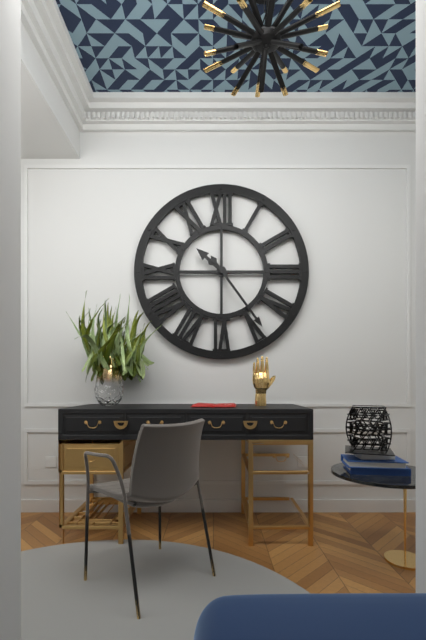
10:24
